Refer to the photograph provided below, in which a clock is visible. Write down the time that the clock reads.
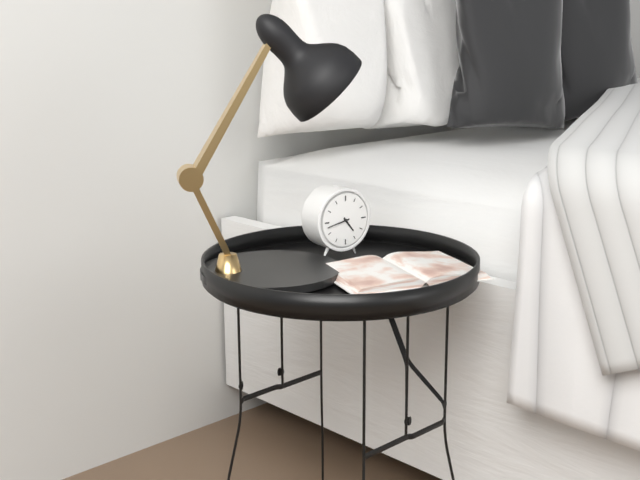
4:43
